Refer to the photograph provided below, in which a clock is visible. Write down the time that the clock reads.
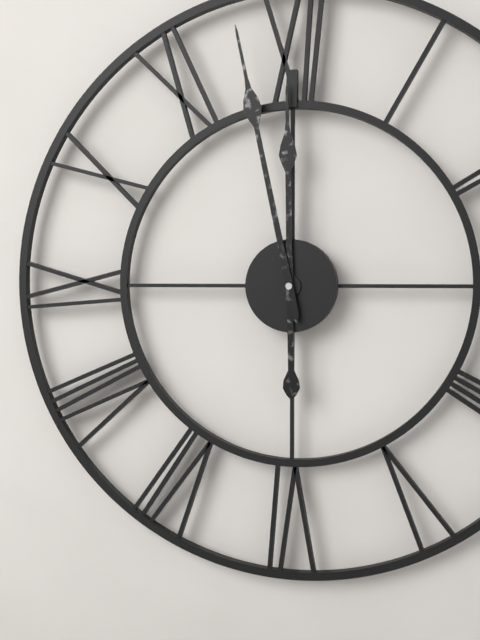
11:58
